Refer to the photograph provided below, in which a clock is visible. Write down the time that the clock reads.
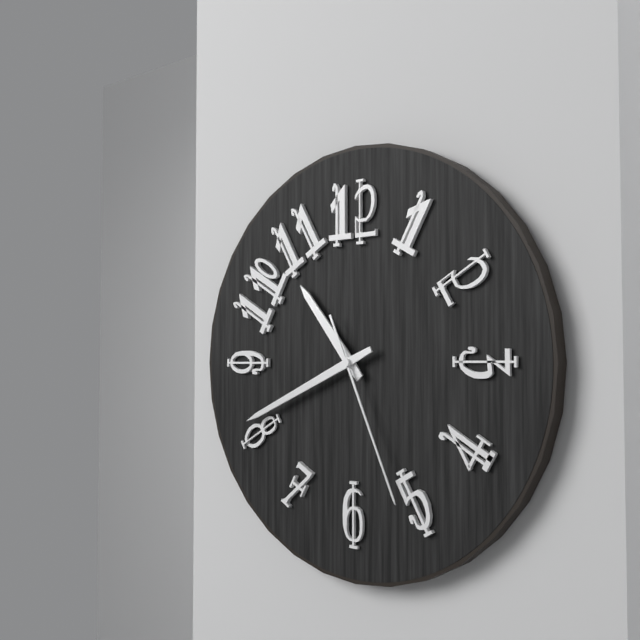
10:41:26
